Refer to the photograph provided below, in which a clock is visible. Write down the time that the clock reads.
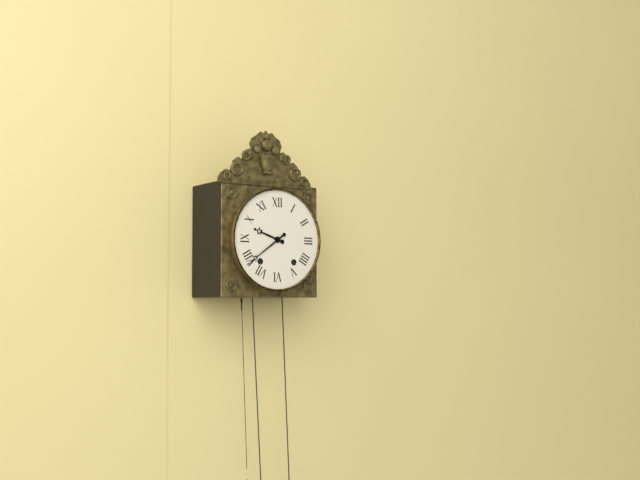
9:39
